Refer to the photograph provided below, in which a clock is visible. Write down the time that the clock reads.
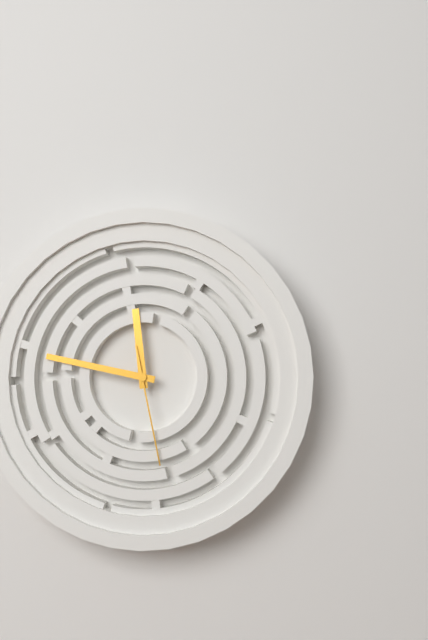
11:47:28
